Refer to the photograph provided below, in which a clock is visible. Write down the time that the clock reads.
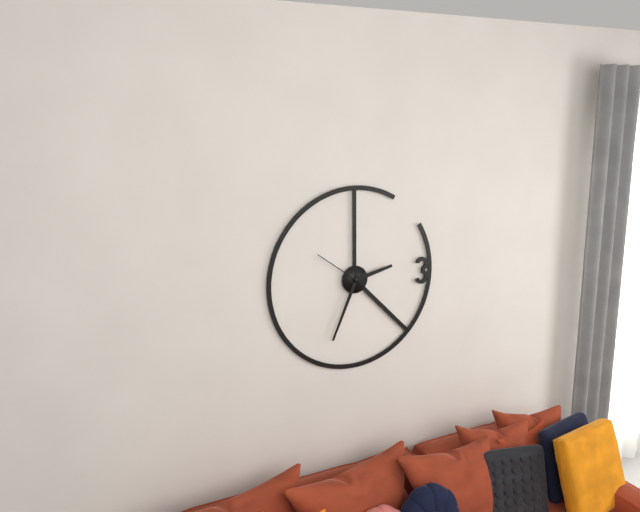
2:34:51
